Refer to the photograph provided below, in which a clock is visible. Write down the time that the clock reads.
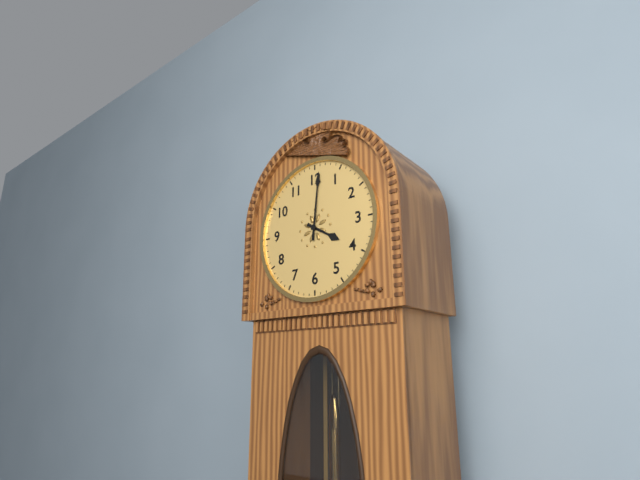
4:01
